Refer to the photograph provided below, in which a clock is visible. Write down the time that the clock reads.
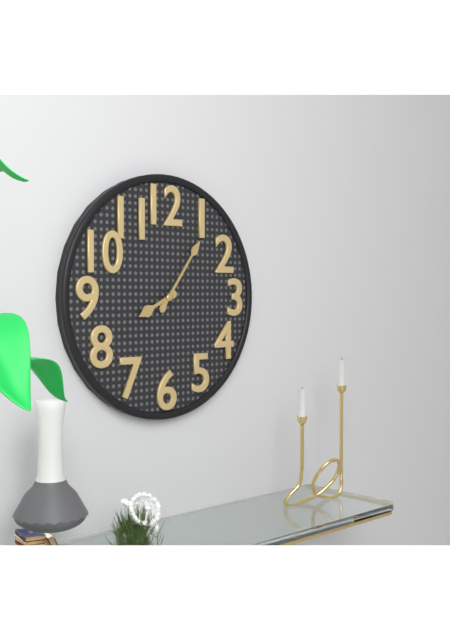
8:06
